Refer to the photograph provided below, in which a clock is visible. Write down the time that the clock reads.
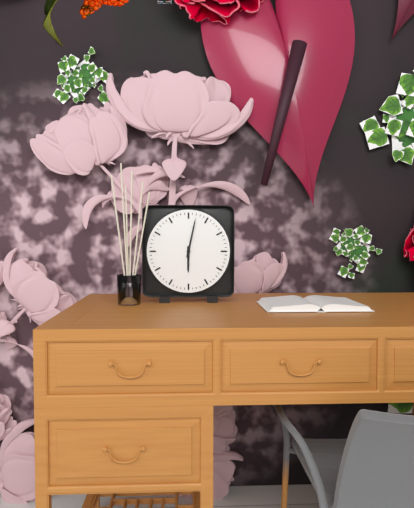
6:02
